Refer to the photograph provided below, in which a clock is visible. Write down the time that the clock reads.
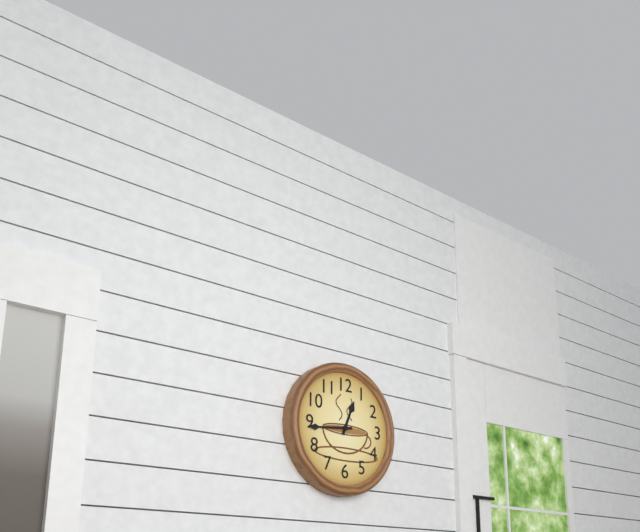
12:44
